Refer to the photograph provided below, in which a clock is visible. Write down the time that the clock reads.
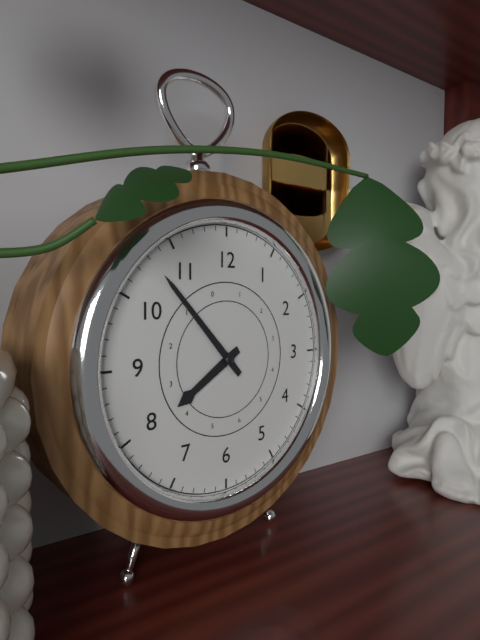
7:53
